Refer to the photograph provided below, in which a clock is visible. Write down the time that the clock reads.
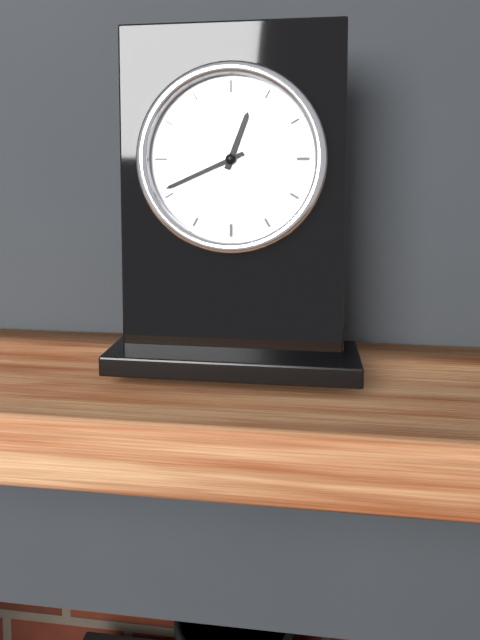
12:41
